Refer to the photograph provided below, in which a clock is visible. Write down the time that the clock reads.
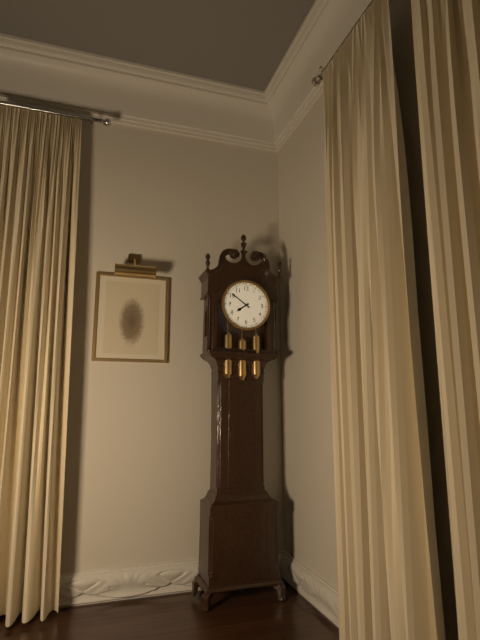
7:51
